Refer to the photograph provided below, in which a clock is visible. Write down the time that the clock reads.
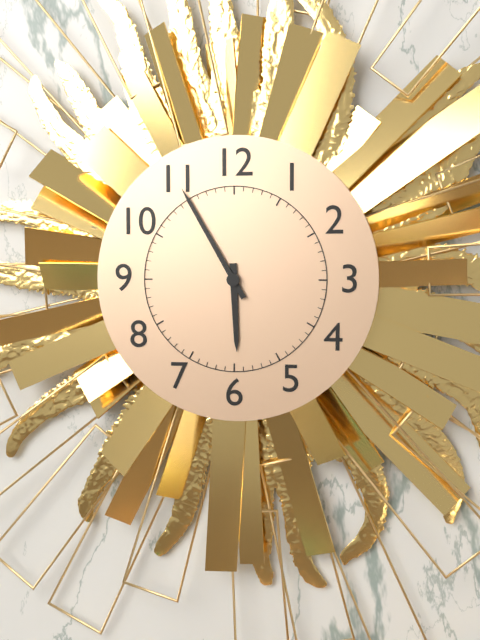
5:55
